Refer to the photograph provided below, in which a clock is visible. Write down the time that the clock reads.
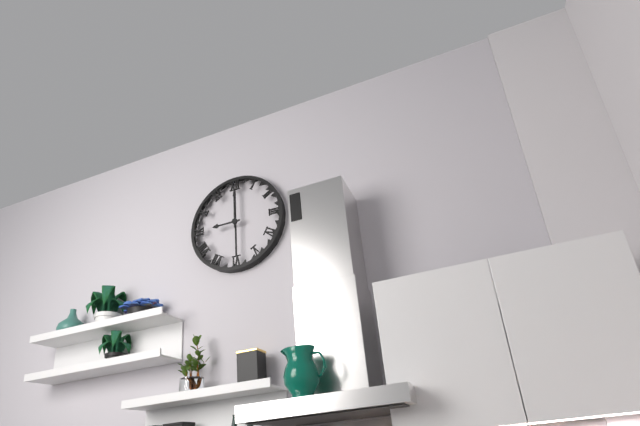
9:00
